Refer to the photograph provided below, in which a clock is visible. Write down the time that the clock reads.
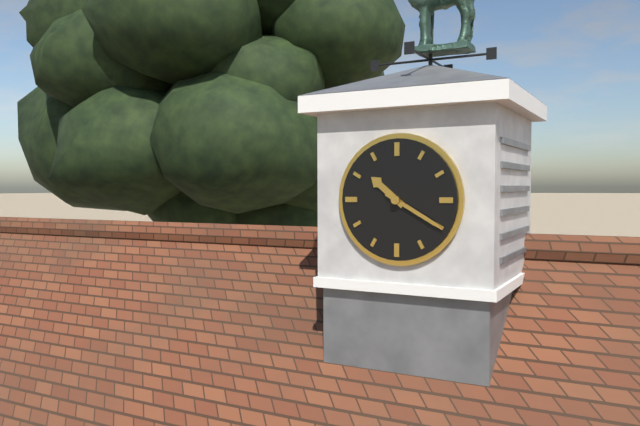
10:20
